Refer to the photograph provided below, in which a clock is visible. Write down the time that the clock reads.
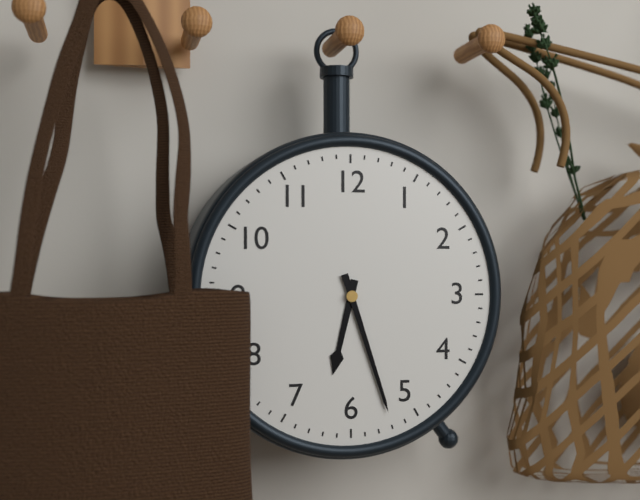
6:27
